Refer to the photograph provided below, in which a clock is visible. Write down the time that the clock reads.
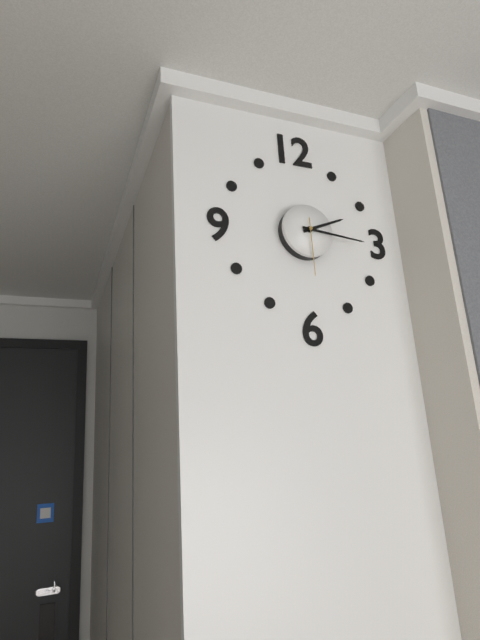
2:16:30
